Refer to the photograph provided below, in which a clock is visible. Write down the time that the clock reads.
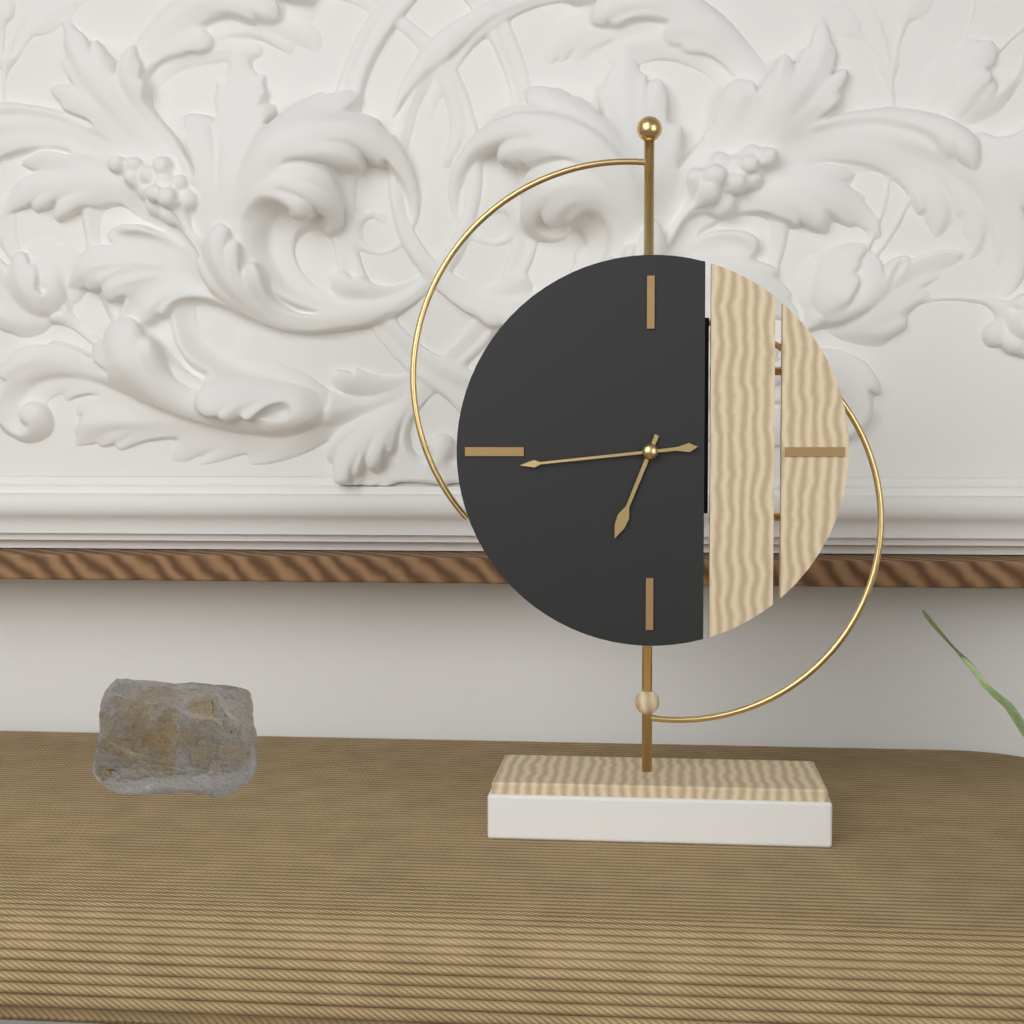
6:44
